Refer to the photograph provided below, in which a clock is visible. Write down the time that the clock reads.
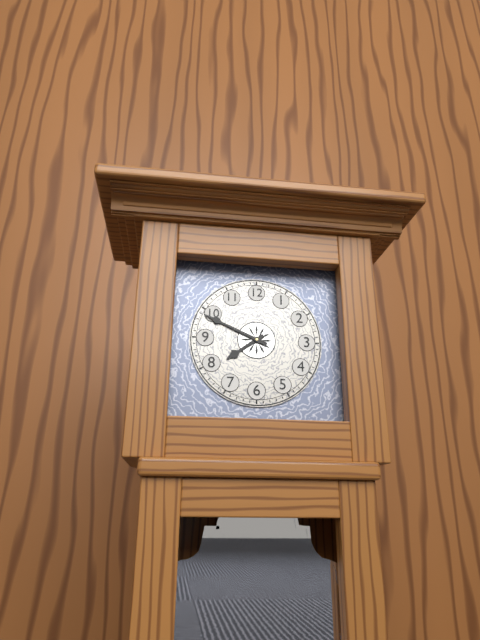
7:49
